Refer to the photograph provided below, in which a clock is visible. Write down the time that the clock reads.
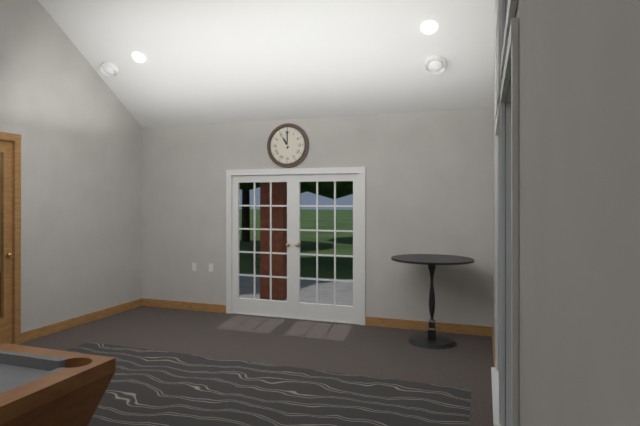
11:00
